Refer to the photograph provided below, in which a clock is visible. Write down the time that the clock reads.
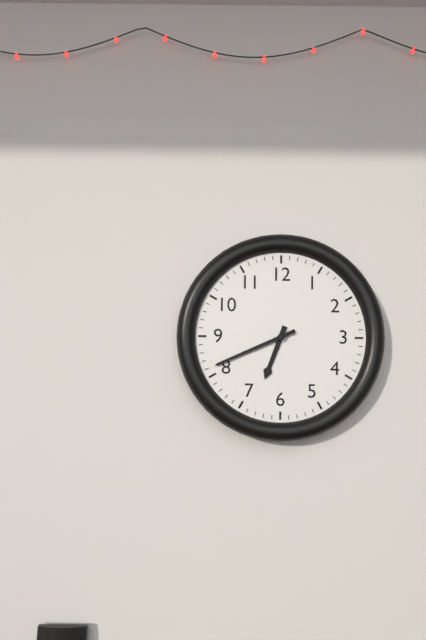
6:41
